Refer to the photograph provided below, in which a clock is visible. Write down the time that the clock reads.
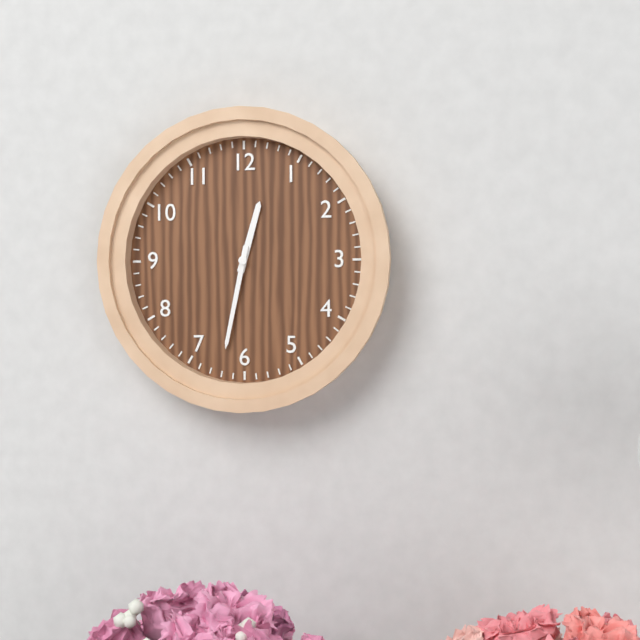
12:32
